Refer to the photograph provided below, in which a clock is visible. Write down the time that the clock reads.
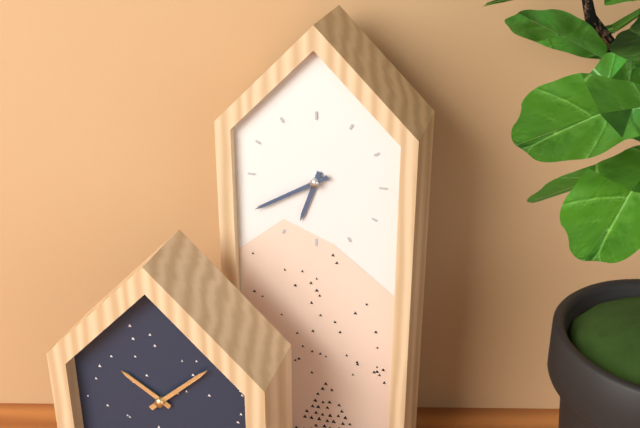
6:40
